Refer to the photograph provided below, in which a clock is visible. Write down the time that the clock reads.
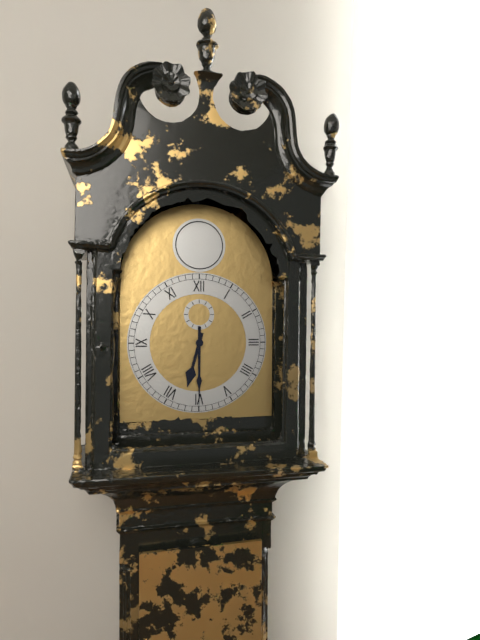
6:30
